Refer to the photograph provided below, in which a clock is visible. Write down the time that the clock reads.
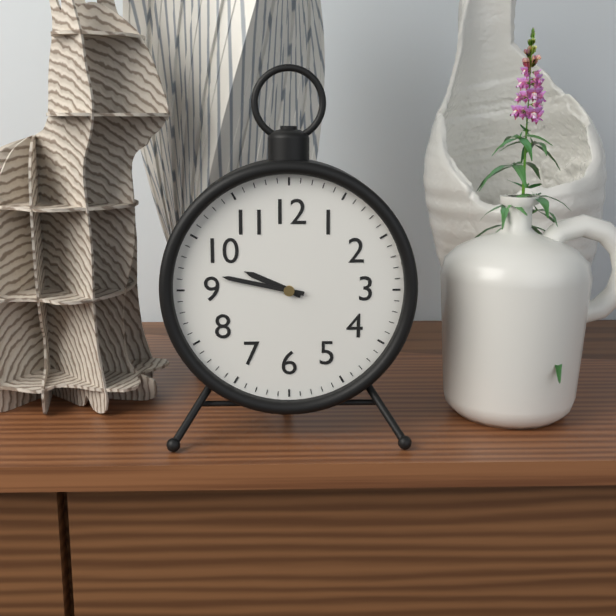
9:47
